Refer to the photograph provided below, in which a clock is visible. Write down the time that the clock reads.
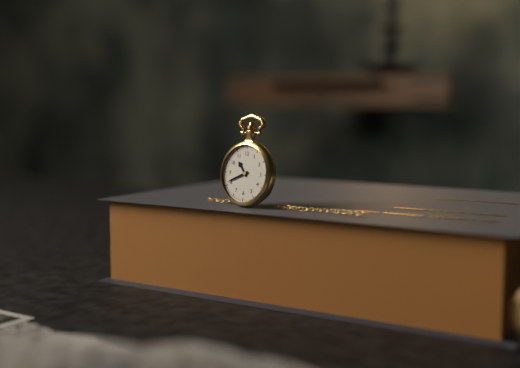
10:41
